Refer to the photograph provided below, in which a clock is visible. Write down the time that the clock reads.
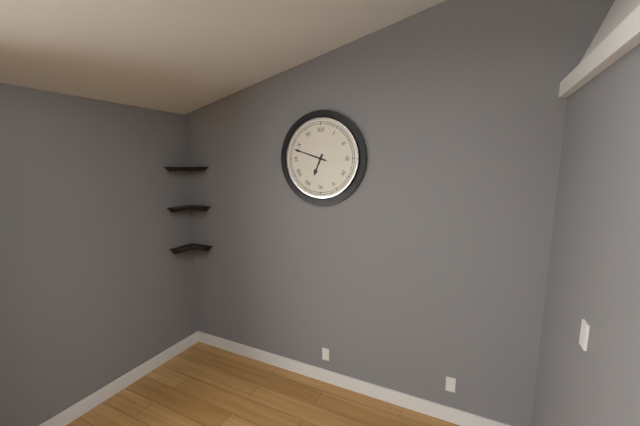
6:48
